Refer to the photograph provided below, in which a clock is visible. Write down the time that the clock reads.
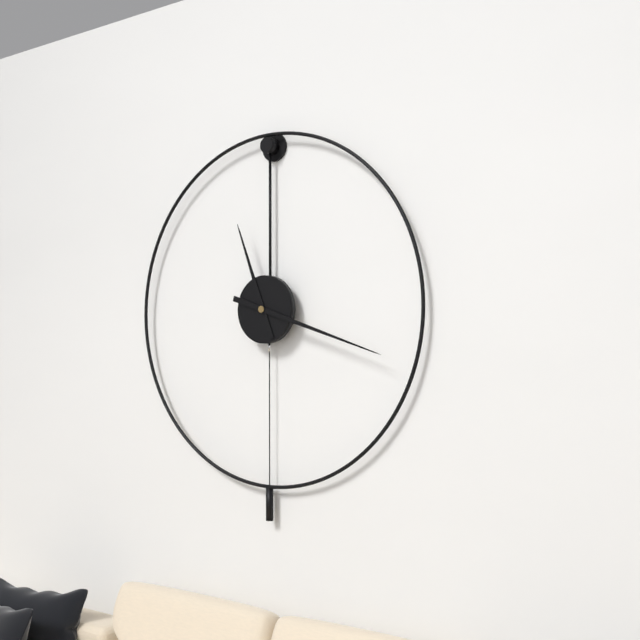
11:18
